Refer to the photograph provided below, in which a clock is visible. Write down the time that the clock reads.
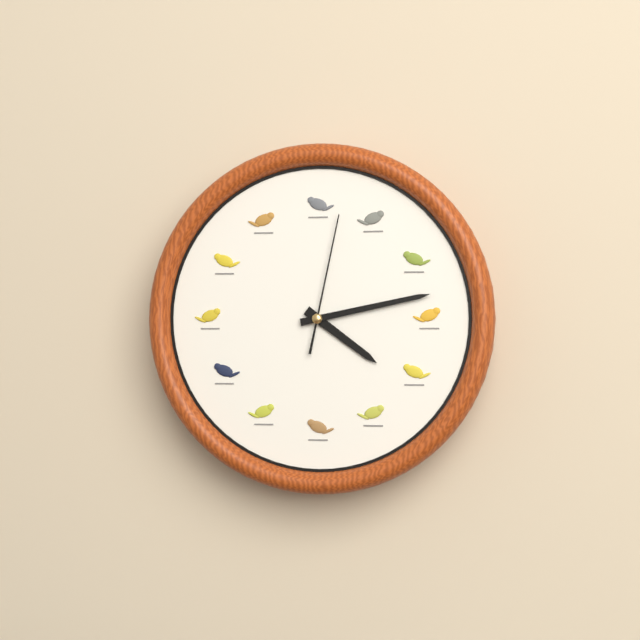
4:13:02
